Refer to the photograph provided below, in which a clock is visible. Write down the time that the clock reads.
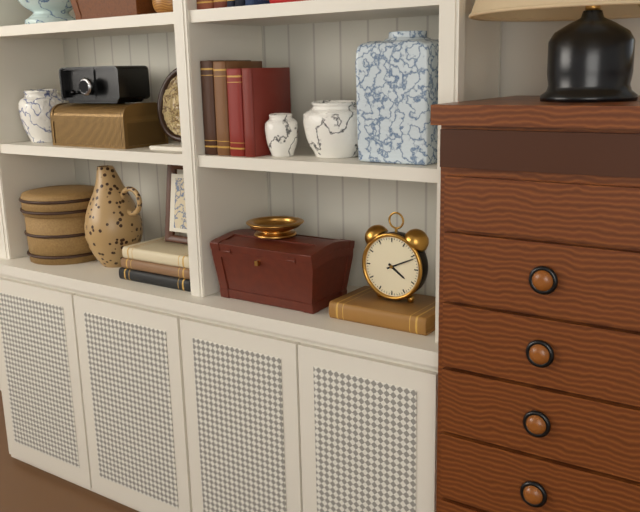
4:11
